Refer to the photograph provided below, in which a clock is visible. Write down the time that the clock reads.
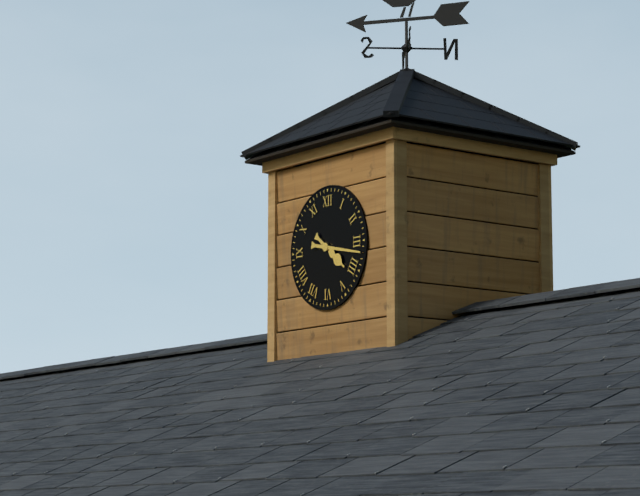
4:17
